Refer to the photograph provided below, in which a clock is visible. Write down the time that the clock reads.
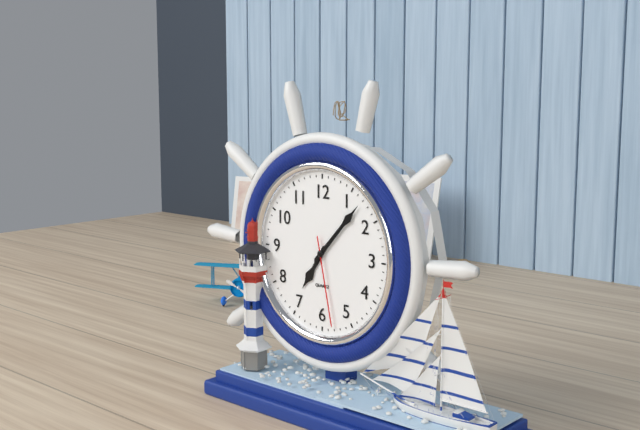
7:07:28
